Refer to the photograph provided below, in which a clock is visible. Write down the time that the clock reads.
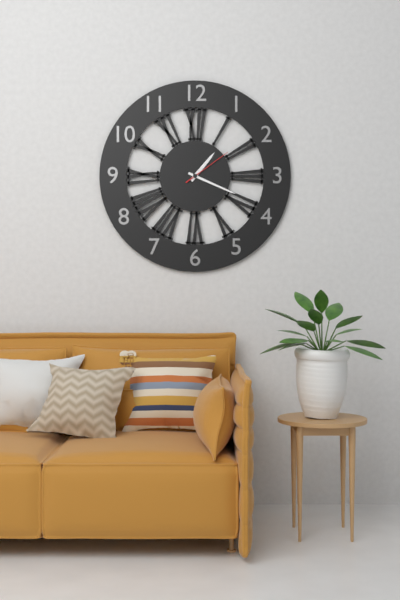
1:19:09
